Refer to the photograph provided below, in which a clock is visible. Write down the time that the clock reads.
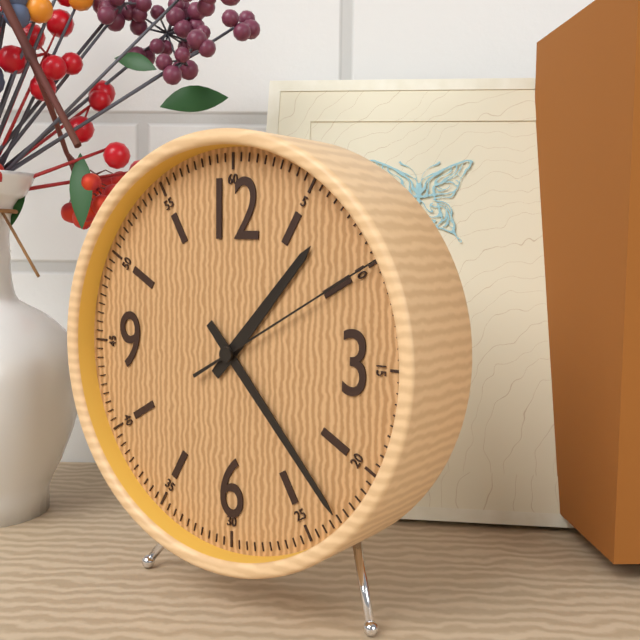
1:23:10
